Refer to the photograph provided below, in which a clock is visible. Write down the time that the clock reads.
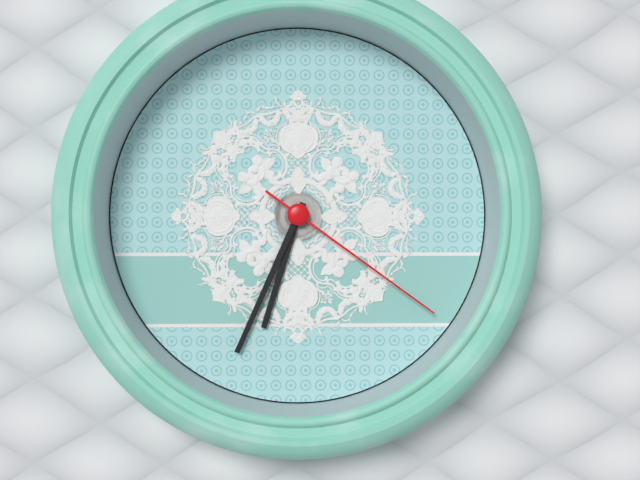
6:34:21
